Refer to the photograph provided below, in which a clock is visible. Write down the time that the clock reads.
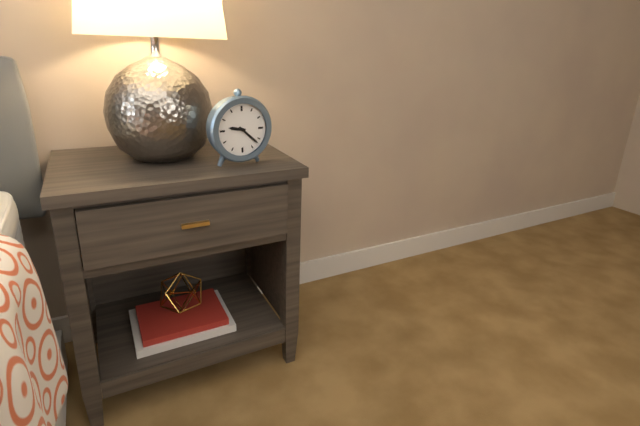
9:22
